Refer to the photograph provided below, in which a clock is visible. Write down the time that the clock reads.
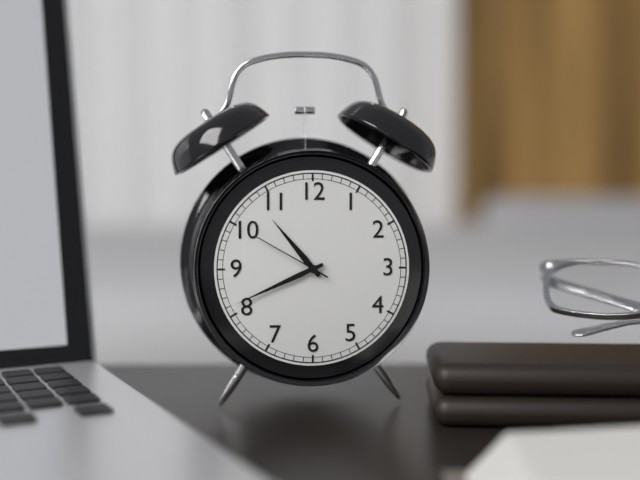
10:41:50
